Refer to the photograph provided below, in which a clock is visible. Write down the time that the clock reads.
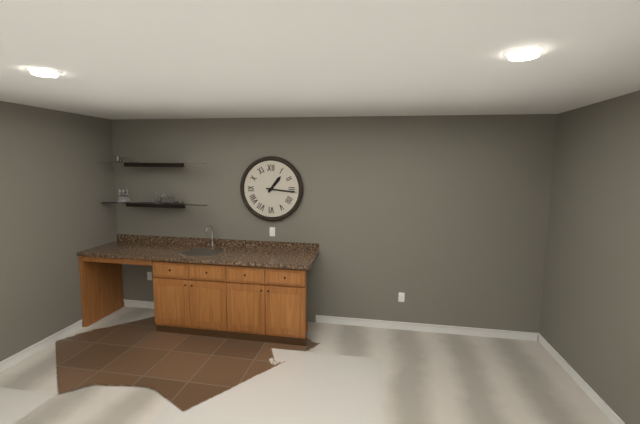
1:16
